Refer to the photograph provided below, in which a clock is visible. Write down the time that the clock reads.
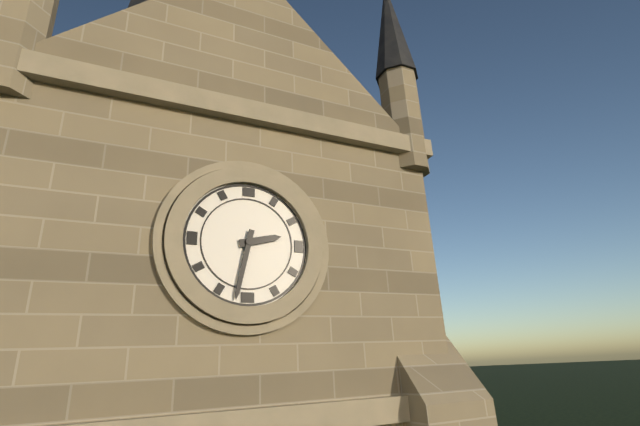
2:32
